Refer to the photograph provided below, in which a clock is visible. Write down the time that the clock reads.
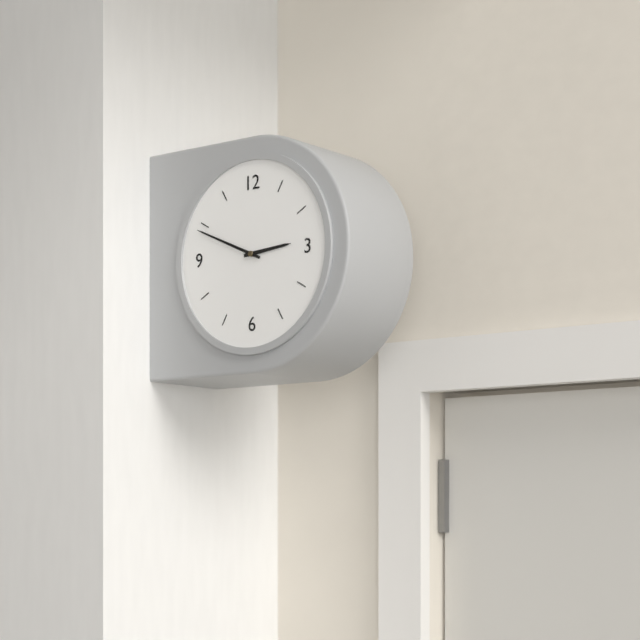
2:49
